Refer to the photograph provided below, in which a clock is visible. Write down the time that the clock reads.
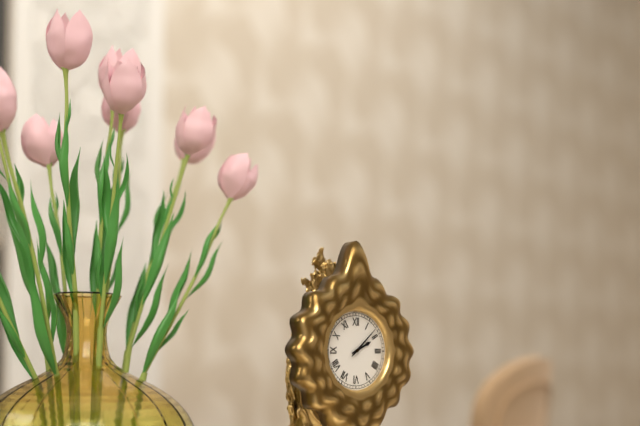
2:08
